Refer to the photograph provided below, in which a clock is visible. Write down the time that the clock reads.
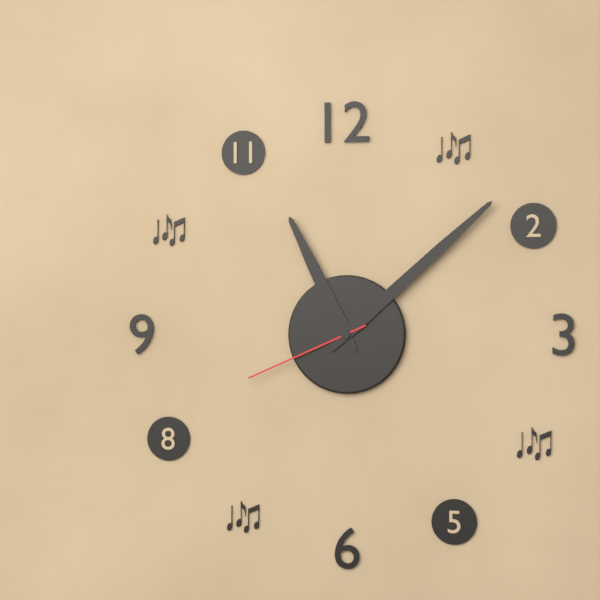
11:08:41
